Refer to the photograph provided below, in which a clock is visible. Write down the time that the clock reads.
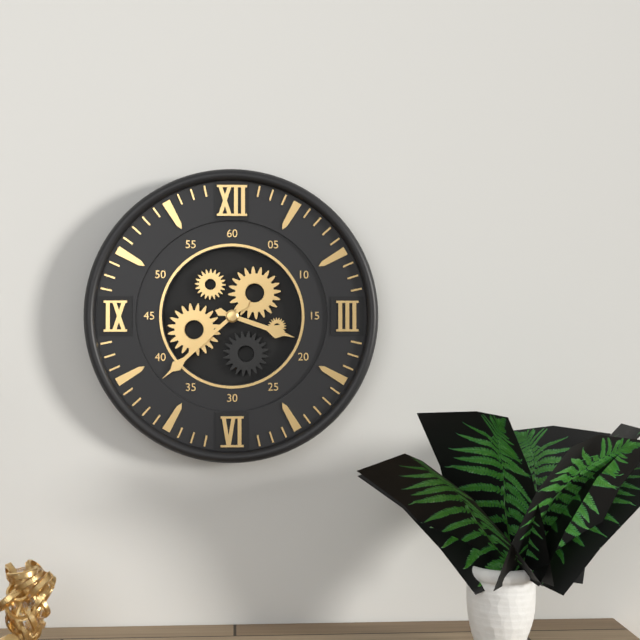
3:38
